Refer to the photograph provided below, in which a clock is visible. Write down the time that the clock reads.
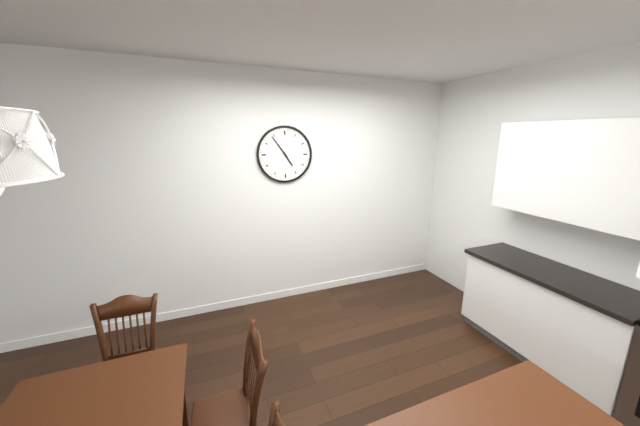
4:54
